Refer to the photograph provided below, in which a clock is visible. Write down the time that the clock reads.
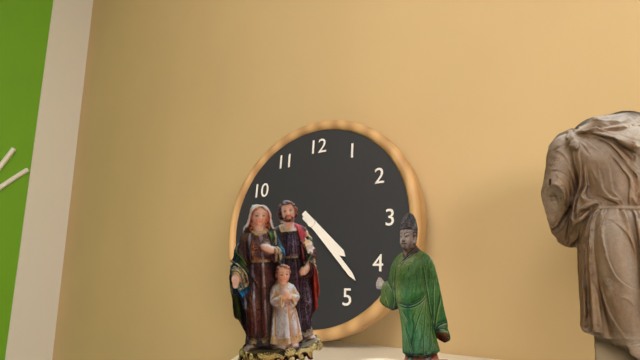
4:23
